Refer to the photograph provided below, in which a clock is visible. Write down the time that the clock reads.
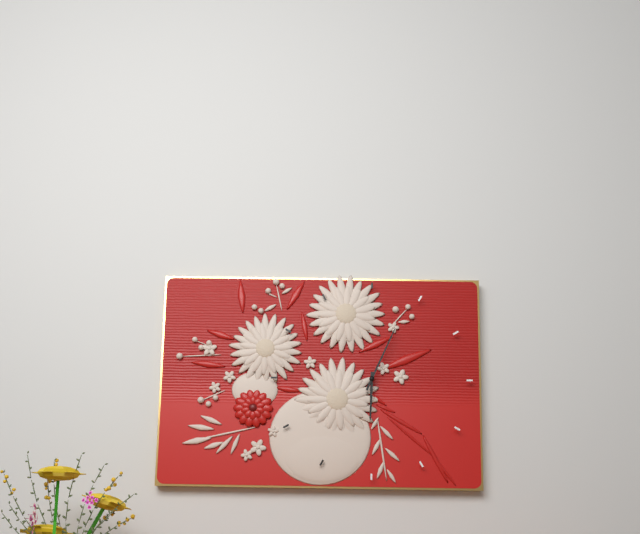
6:04
